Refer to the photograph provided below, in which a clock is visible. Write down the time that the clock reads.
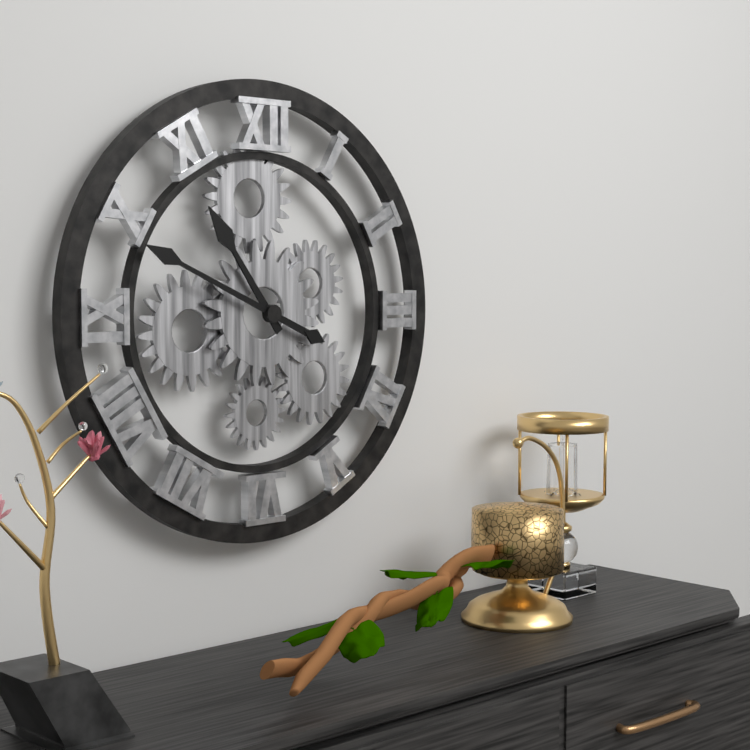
10:49
